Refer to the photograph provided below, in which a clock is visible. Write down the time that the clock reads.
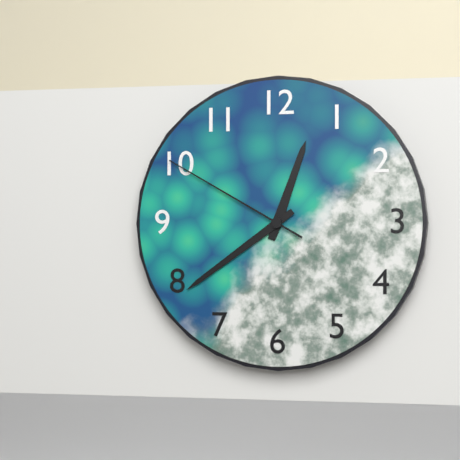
12:39:50
